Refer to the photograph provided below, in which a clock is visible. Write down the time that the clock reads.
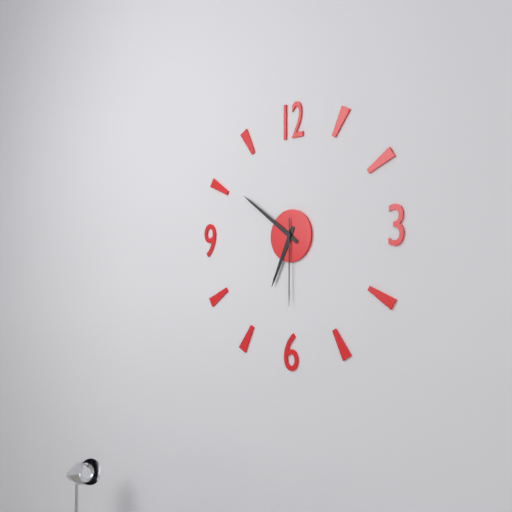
6:51:30
